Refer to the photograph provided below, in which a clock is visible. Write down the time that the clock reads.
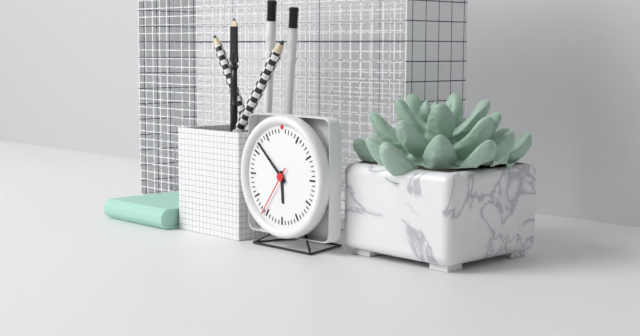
5:52:36
